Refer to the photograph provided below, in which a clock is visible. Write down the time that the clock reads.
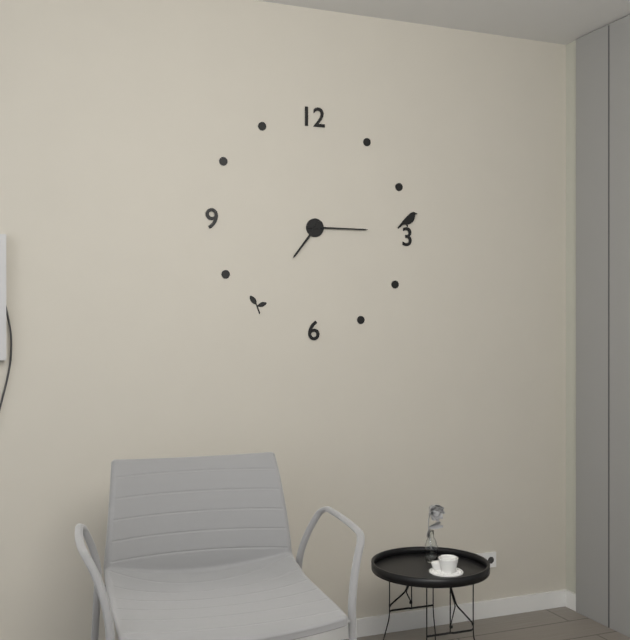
7:15
